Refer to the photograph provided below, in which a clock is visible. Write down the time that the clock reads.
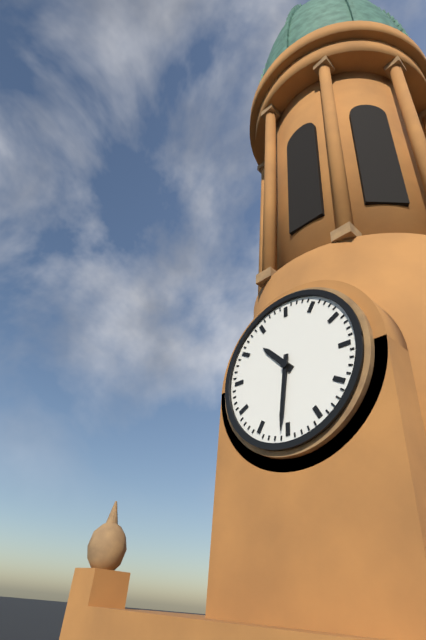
10:31
